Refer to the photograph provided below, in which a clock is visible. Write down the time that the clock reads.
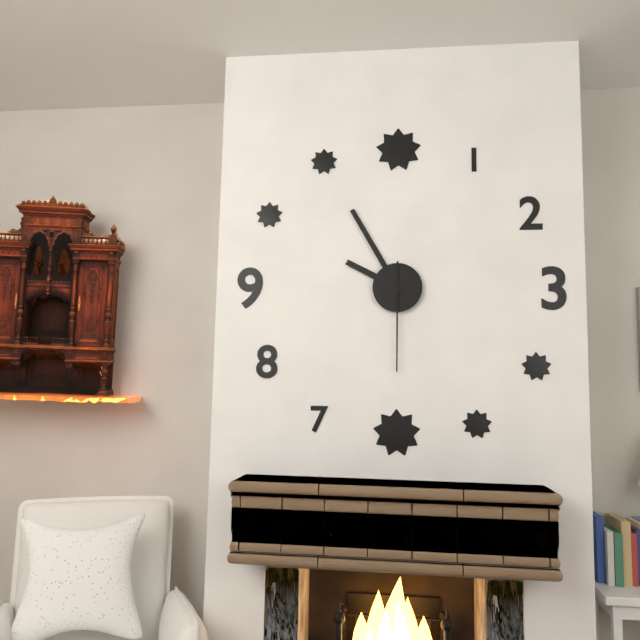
9:55:30
